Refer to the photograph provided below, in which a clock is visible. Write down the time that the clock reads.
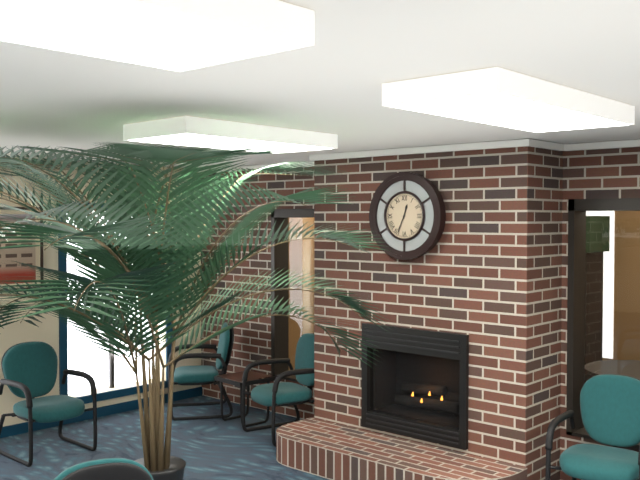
12:34
